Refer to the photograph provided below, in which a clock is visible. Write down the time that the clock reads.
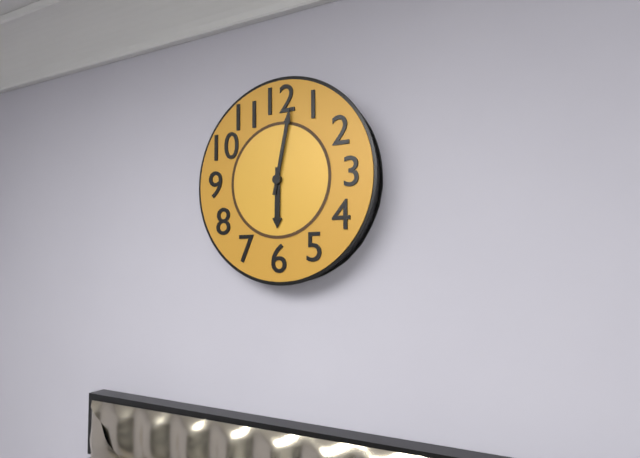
6:02
